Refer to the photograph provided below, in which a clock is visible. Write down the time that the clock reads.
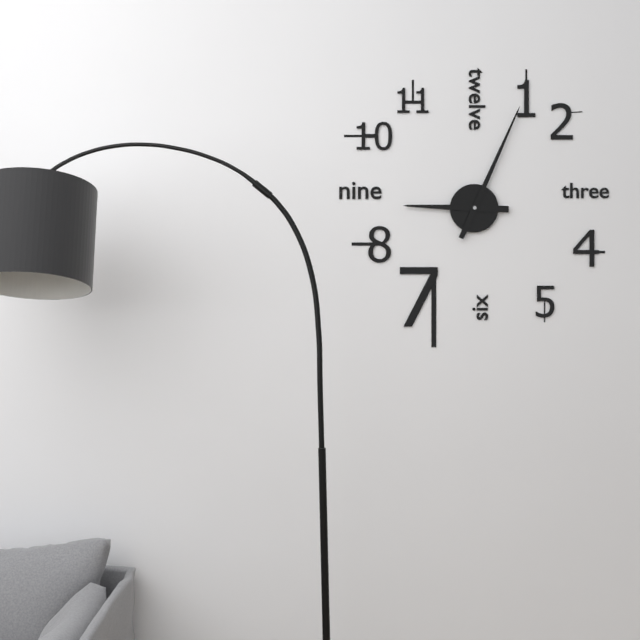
9:04
